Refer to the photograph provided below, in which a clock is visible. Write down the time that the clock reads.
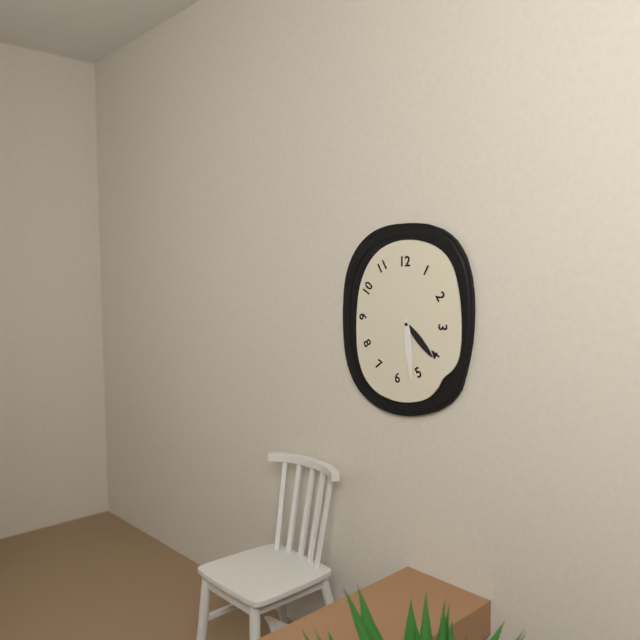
4:29
